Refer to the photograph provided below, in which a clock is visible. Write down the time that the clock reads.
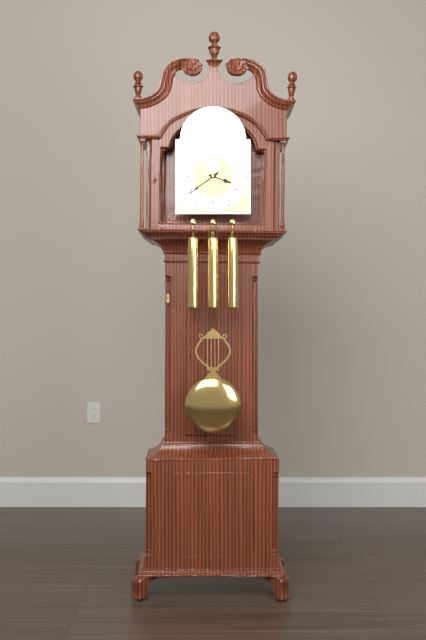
3:39
